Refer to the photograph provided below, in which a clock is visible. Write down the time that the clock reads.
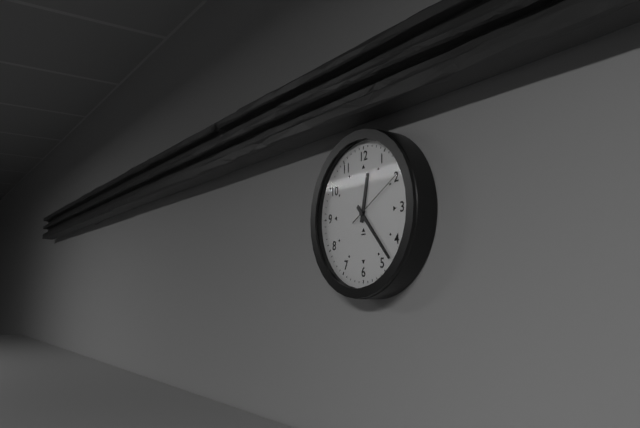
12:23:10
